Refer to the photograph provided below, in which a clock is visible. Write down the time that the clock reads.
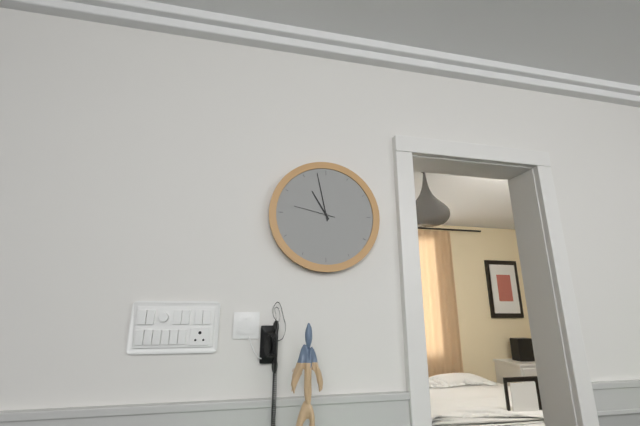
10:58
